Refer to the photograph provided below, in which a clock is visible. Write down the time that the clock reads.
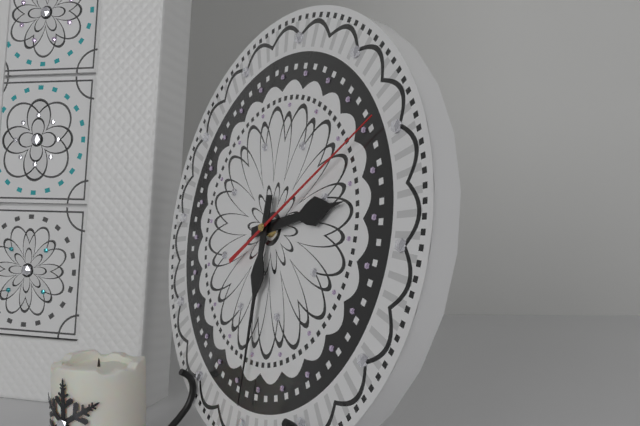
2:30:09
